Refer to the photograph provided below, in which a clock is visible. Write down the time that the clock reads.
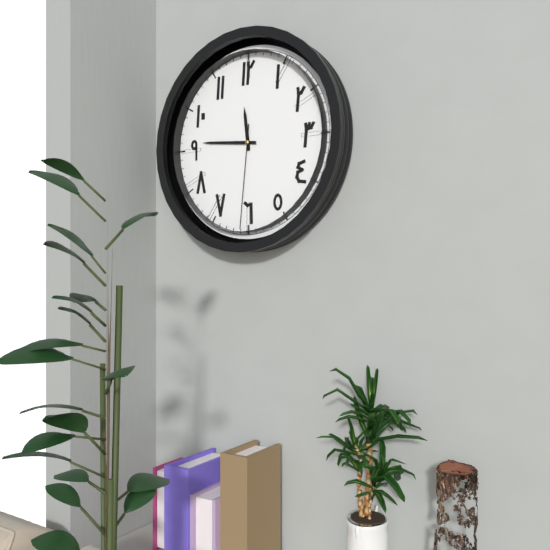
11:46:31
